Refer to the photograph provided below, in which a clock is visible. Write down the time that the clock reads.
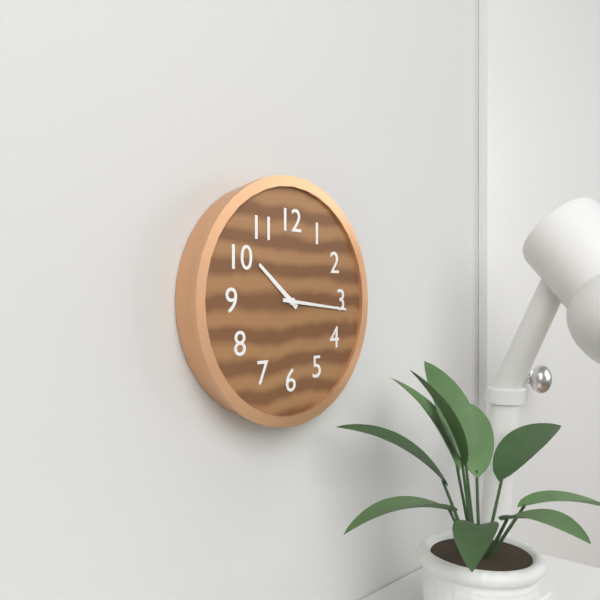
10:16
